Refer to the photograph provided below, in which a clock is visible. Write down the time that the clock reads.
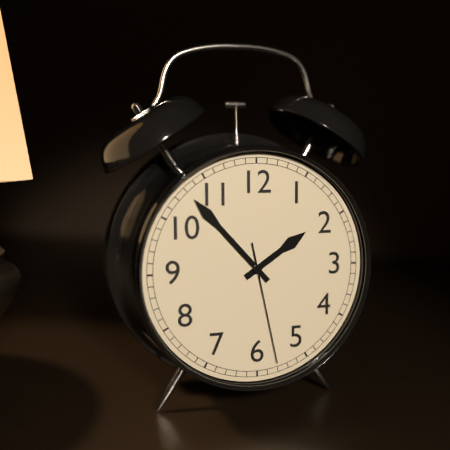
1:53:28
